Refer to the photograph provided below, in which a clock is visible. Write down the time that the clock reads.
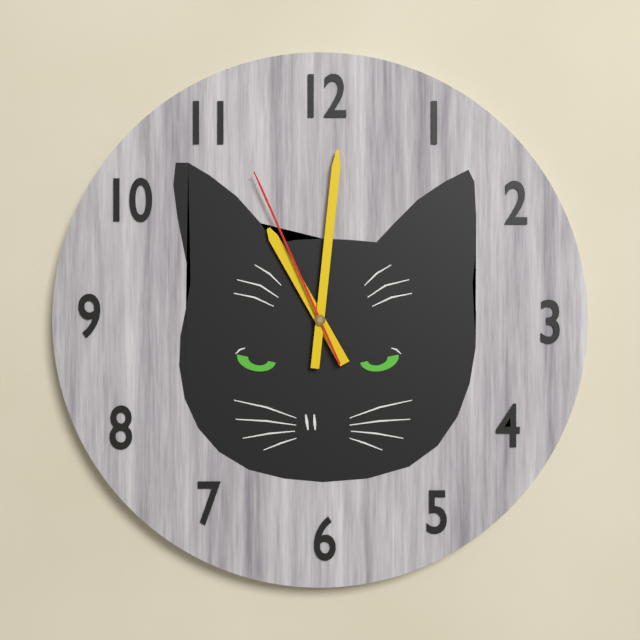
11:01:56
